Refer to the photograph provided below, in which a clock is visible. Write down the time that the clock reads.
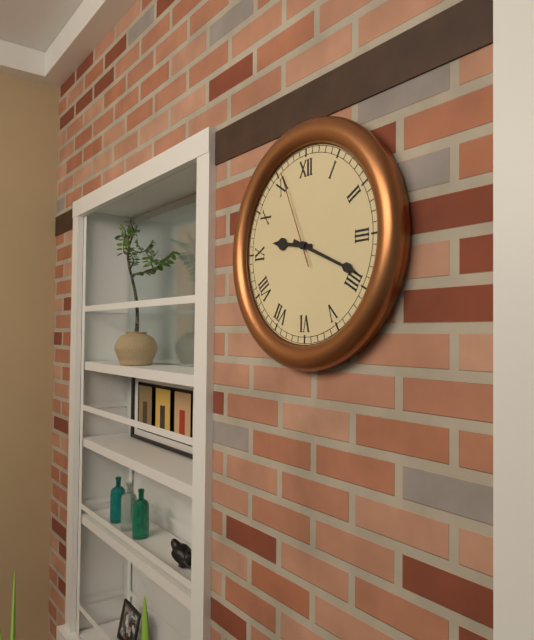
9:19:56
